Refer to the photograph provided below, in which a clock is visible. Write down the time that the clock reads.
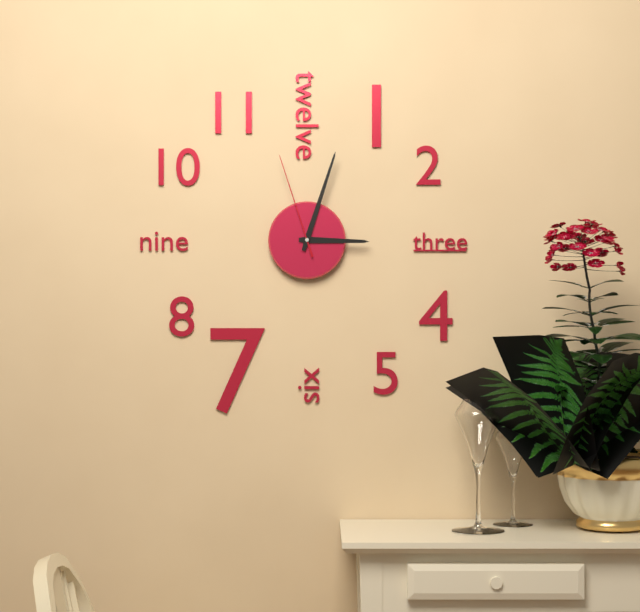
3:03:57
